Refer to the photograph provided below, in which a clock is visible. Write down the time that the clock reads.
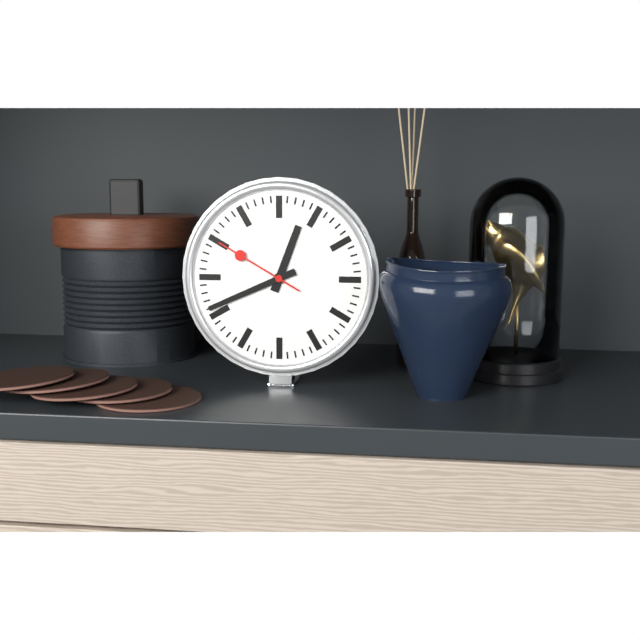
12:41:50
